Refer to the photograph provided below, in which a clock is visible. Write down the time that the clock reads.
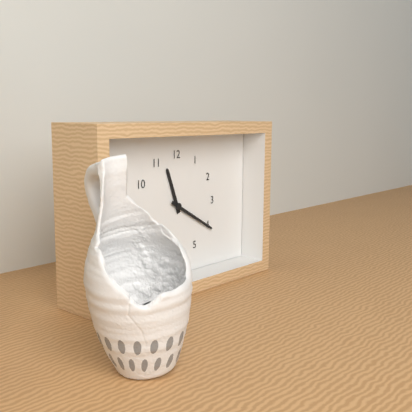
11:20
